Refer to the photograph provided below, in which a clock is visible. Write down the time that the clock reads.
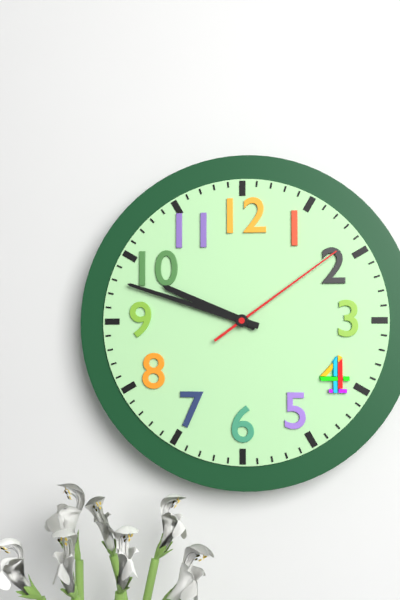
9:48:09
